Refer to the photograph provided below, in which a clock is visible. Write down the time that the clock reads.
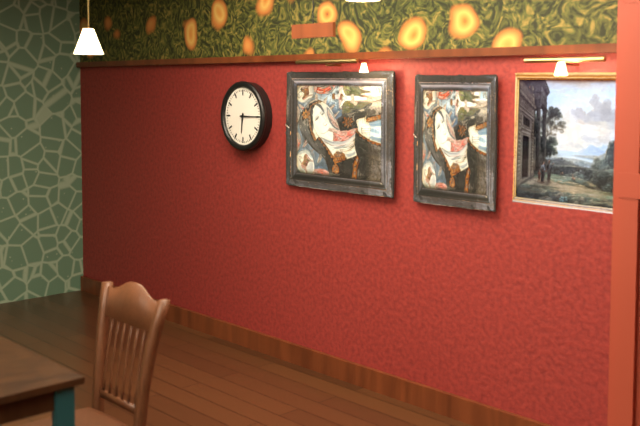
6:15
